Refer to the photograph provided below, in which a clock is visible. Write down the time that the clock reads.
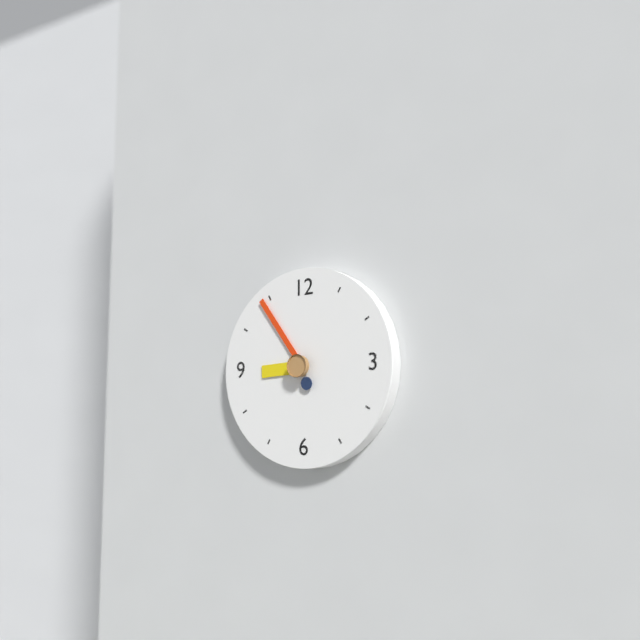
8:54
